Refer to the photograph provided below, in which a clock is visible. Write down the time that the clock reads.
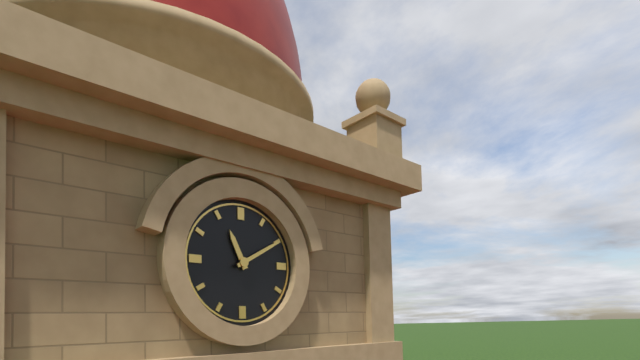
11:10
